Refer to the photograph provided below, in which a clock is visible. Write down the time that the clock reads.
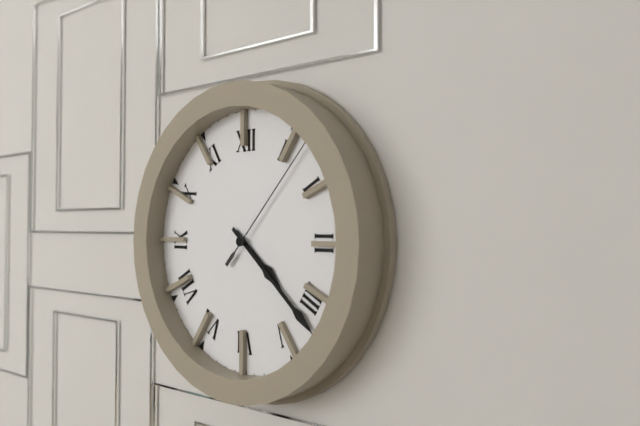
4:22:07
